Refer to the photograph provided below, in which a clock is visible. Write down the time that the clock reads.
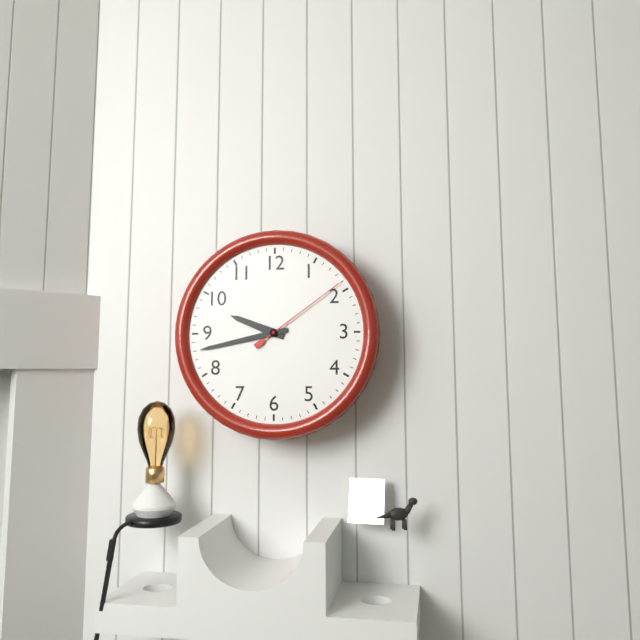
9:43:09
